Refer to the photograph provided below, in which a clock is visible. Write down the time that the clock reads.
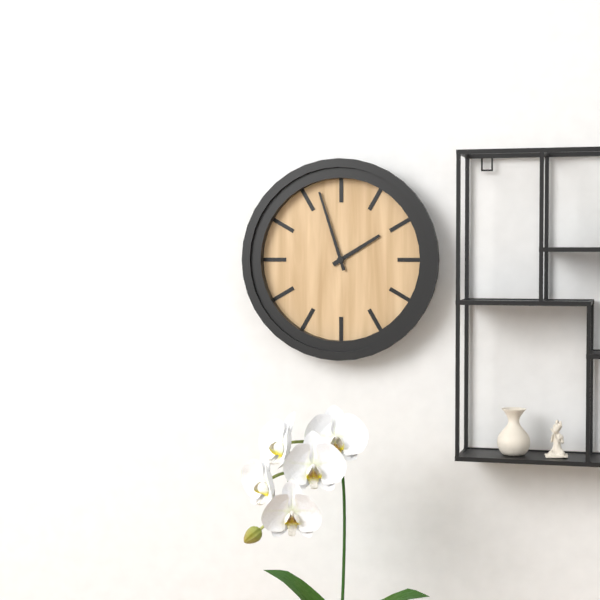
1:57
